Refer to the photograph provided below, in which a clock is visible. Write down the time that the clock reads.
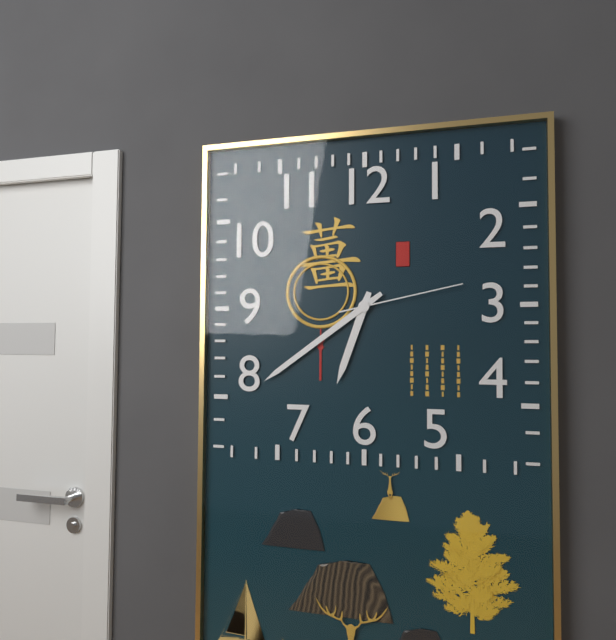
6:39:13
